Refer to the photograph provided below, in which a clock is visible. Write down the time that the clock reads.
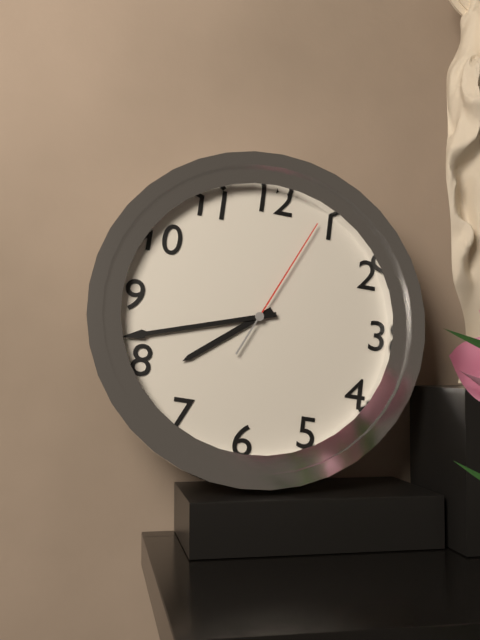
7:42:04
